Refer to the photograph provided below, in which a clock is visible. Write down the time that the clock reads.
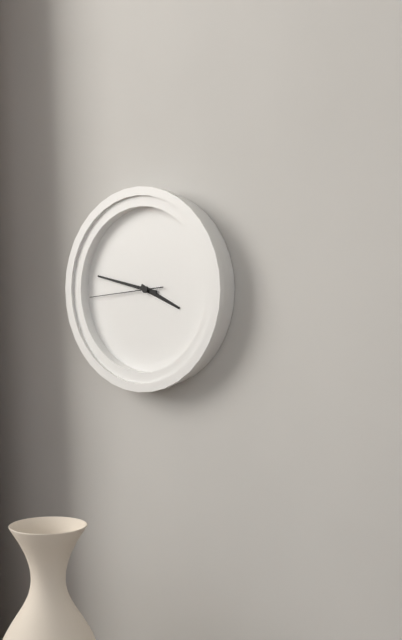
3:47:44
